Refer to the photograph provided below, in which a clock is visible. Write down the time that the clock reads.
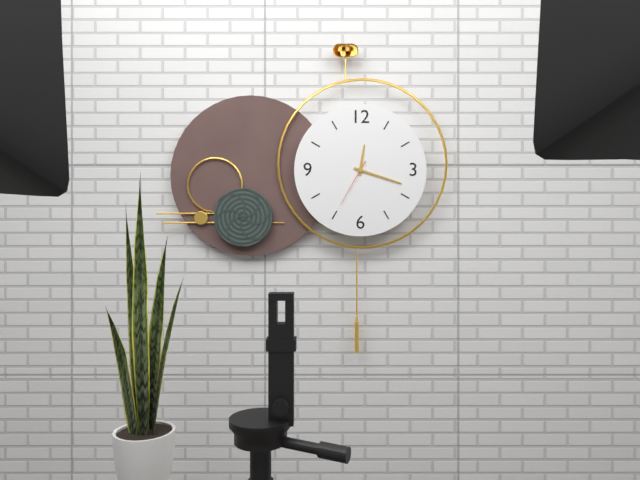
12:18
